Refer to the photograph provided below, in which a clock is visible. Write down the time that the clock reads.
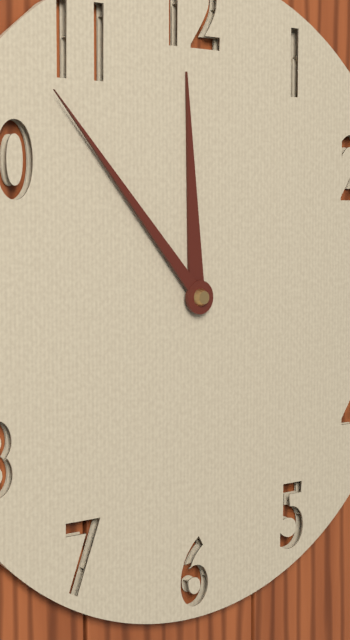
11:53
